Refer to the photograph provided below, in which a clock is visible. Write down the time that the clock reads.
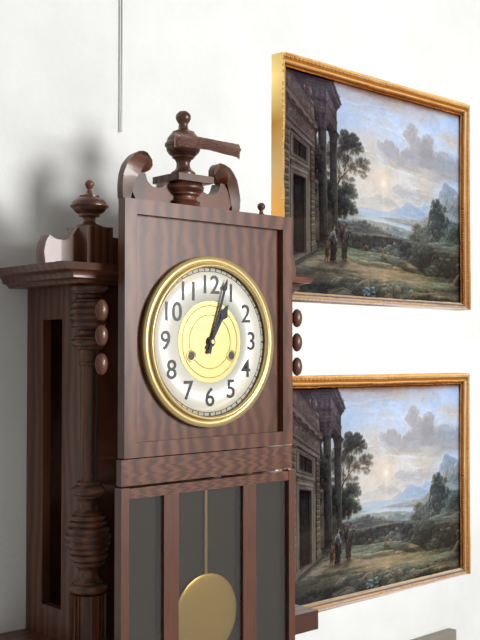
1:03
